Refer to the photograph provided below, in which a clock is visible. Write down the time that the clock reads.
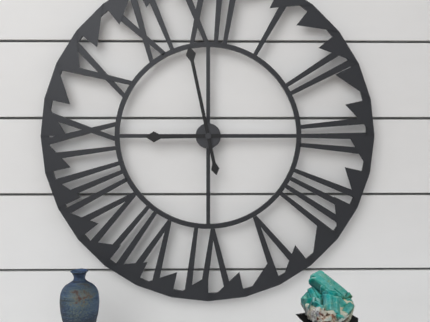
8:58
